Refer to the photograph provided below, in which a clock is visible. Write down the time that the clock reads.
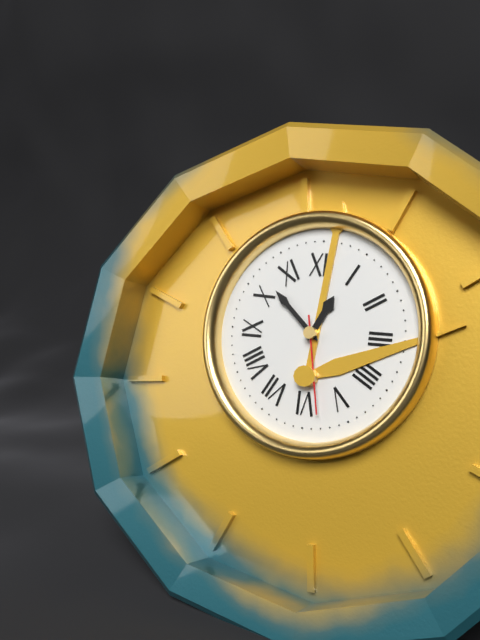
12:52:28
